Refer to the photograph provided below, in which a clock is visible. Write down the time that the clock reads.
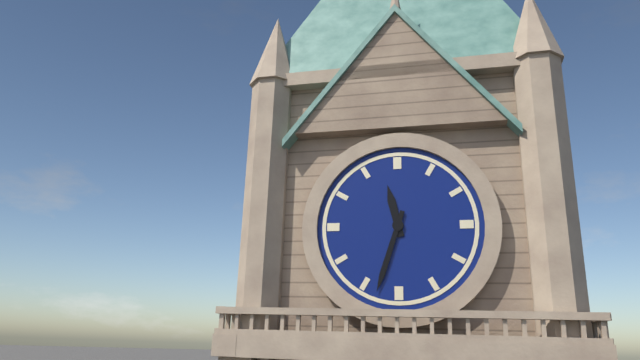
11:33
